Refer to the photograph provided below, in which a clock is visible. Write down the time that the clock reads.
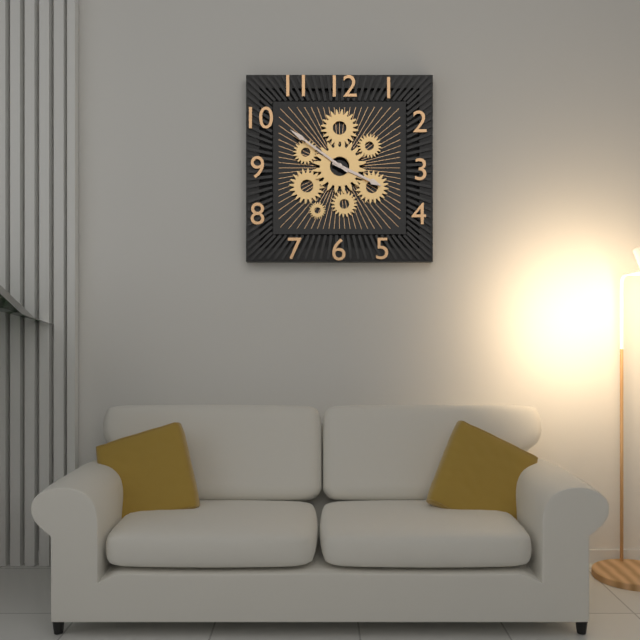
3:51
